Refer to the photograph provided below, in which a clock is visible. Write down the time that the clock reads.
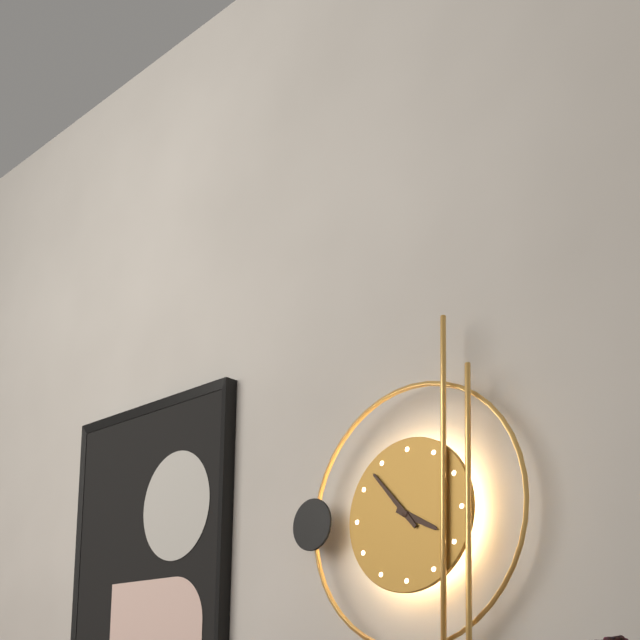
3:53
